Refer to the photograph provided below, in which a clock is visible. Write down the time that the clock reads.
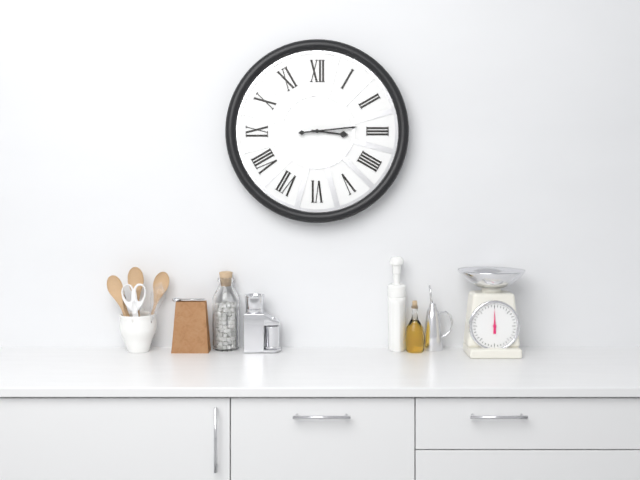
3:14
